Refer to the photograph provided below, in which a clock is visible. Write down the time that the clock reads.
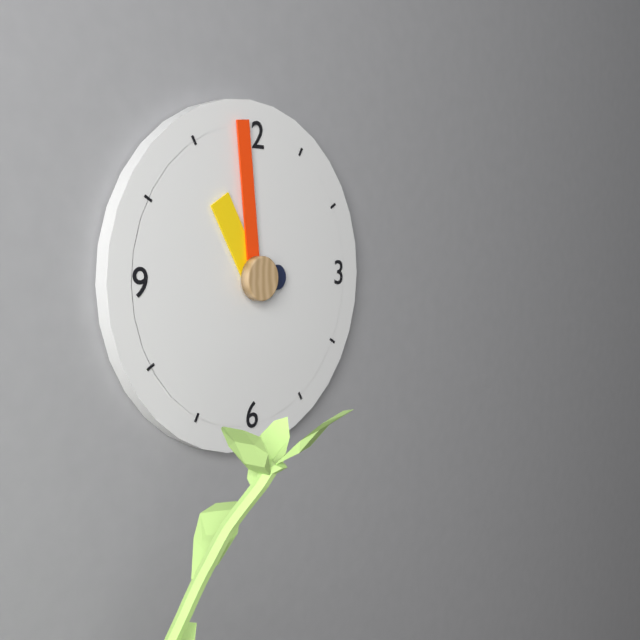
10:59
